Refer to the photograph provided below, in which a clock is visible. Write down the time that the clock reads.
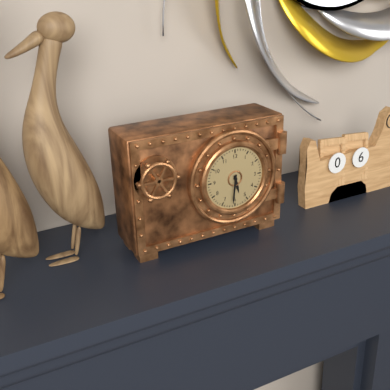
5:31
